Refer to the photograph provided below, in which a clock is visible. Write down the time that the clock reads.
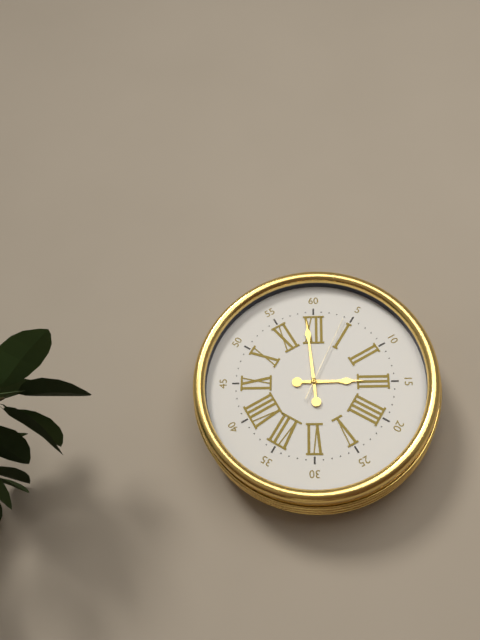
2:59:04
